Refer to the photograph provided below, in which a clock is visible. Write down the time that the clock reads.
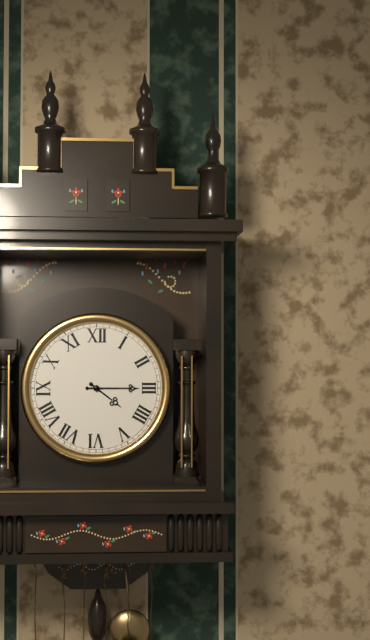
4:15
